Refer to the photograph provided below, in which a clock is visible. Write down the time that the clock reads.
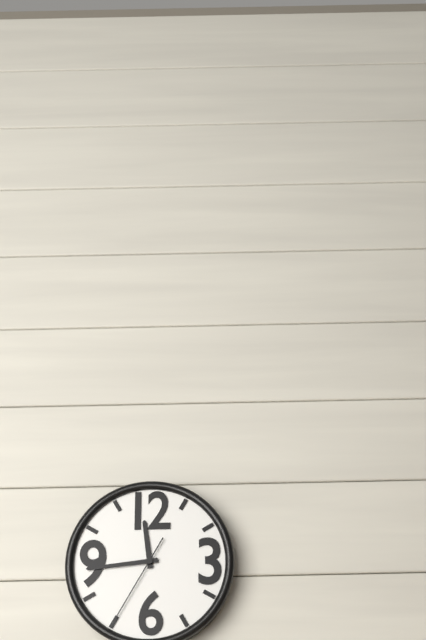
11:44:35
